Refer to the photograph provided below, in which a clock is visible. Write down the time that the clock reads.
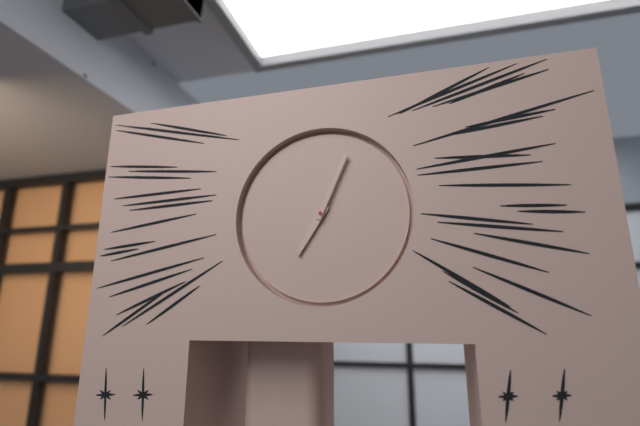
7:04
